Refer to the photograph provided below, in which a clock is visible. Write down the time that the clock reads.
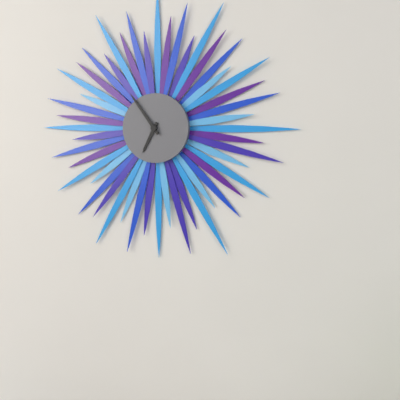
6:54
